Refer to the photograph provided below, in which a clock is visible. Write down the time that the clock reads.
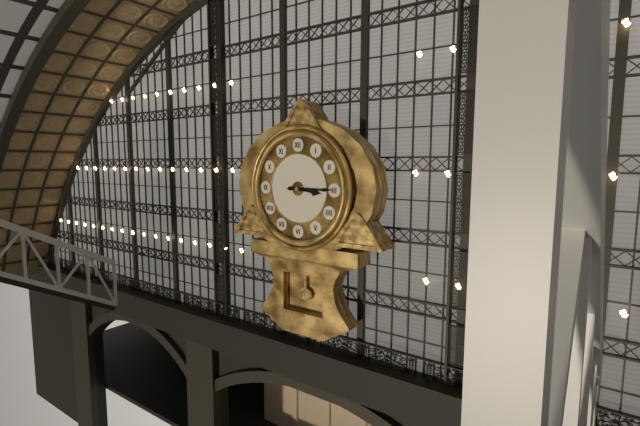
3:15
